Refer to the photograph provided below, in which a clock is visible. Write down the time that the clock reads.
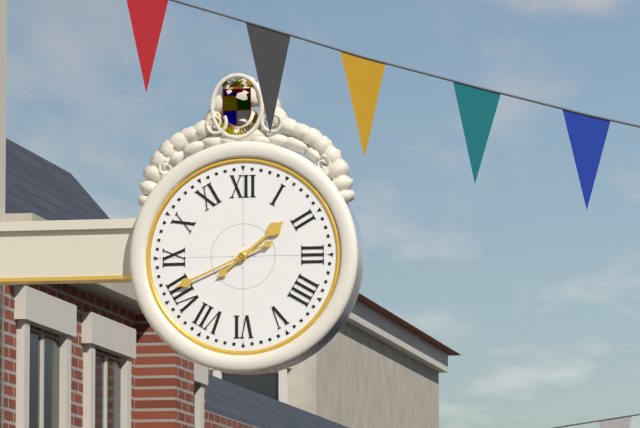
1:41
